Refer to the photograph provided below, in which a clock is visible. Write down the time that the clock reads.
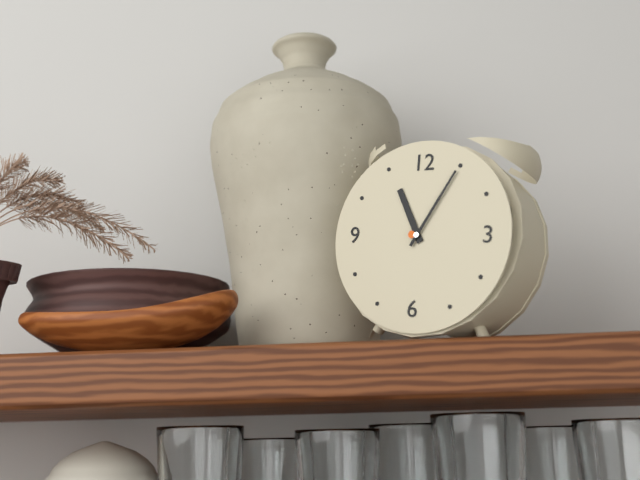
11:05
